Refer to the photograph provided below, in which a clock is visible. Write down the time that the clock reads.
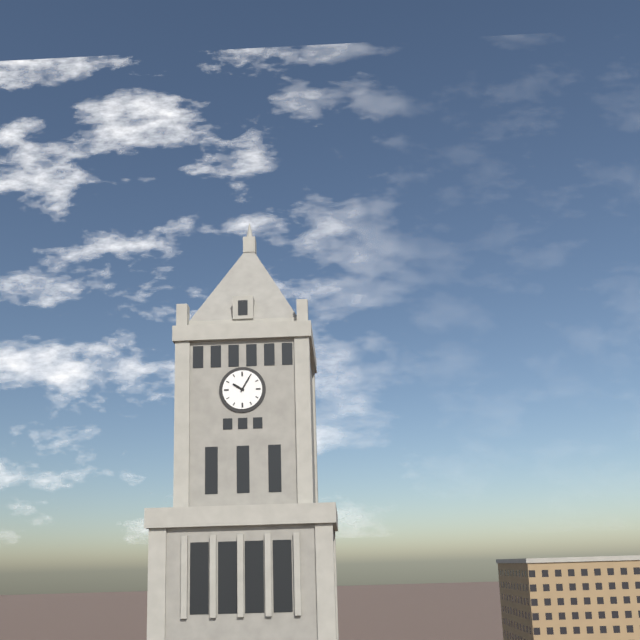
10:05
